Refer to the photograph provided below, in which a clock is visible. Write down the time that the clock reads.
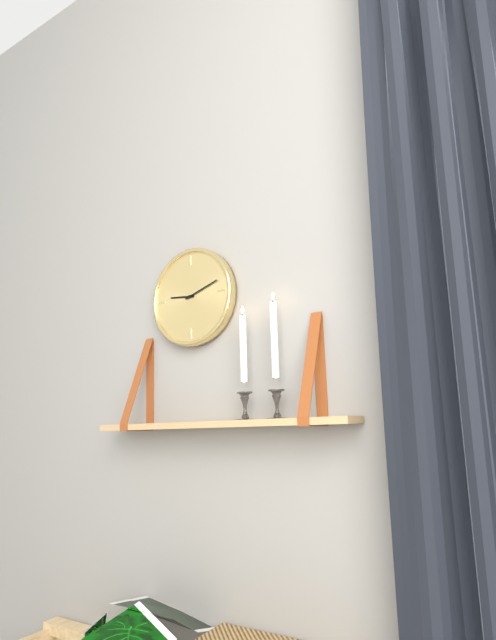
9:12
